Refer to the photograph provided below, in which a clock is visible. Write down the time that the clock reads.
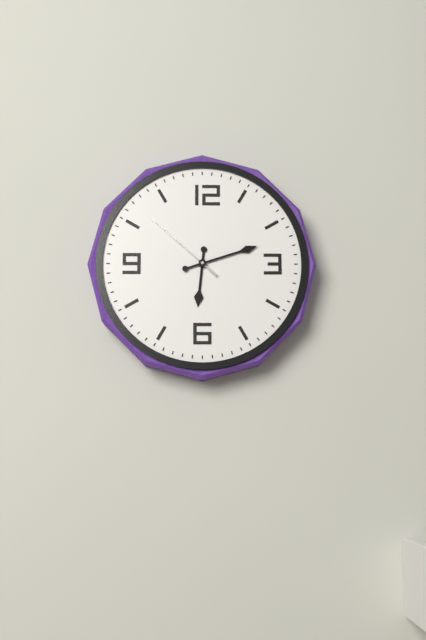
6:12:52
